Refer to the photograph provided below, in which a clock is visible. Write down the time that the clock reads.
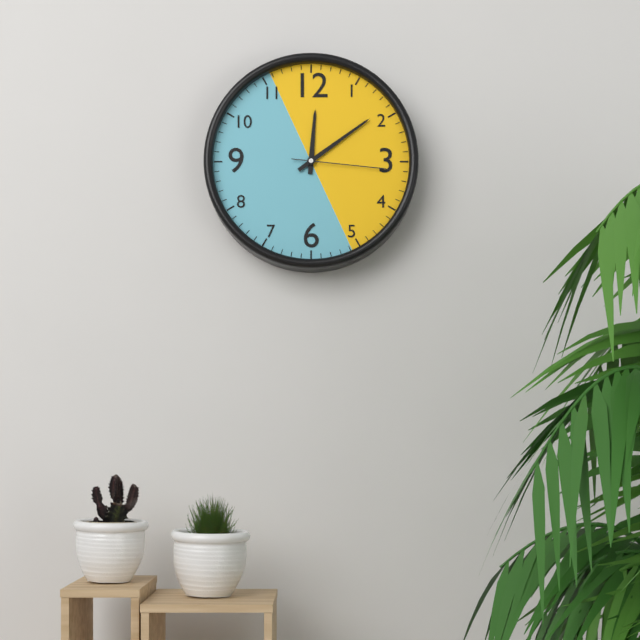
12:09:16
